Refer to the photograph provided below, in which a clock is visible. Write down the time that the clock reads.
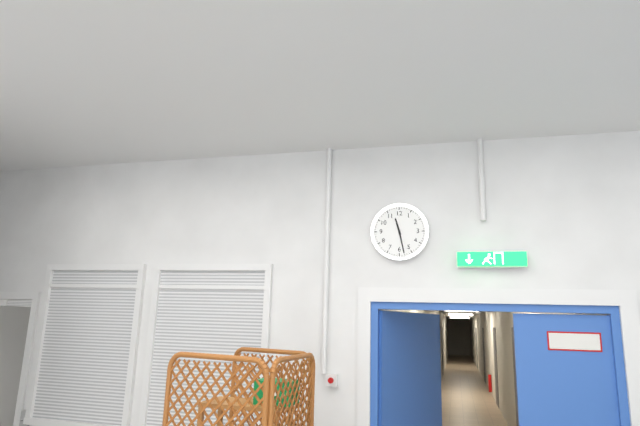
11:28
